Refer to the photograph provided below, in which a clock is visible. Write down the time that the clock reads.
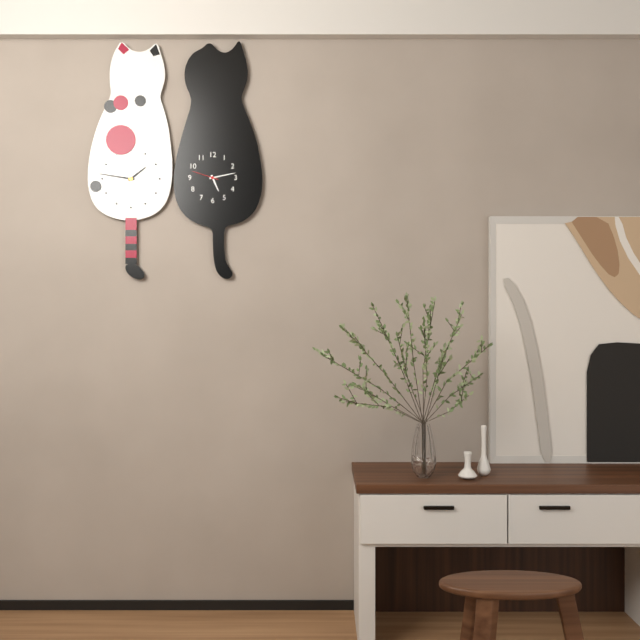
5:13
